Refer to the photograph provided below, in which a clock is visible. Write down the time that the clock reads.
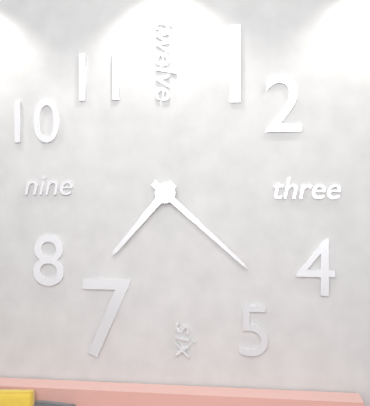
7:22
